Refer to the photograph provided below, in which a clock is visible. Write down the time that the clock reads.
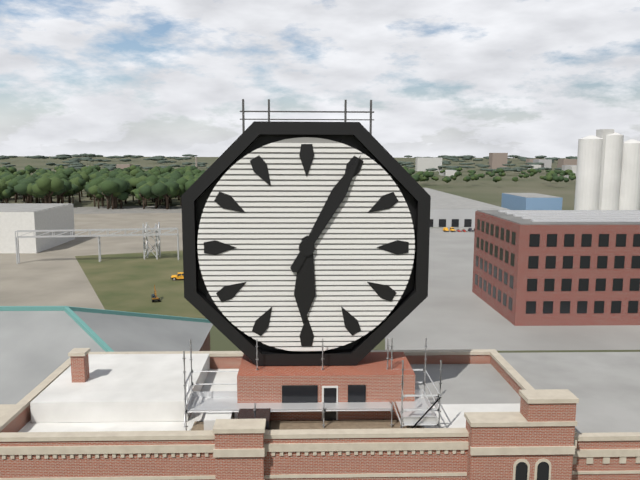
6:05
